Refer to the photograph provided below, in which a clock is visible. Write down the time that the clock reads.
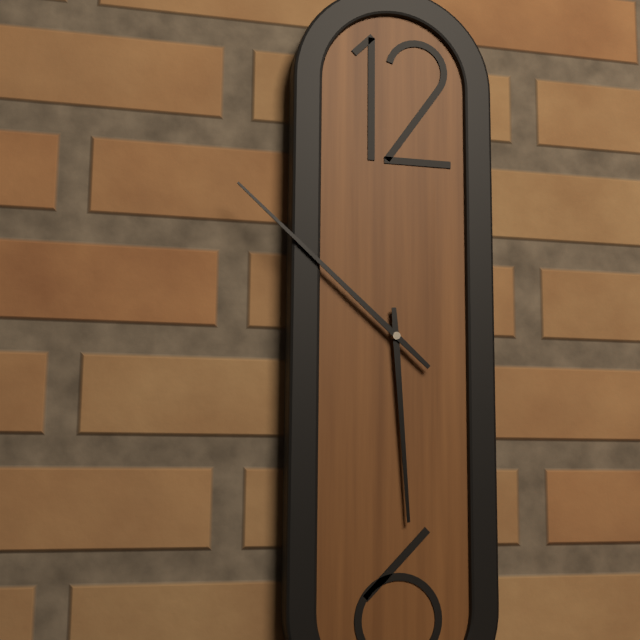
5:52
